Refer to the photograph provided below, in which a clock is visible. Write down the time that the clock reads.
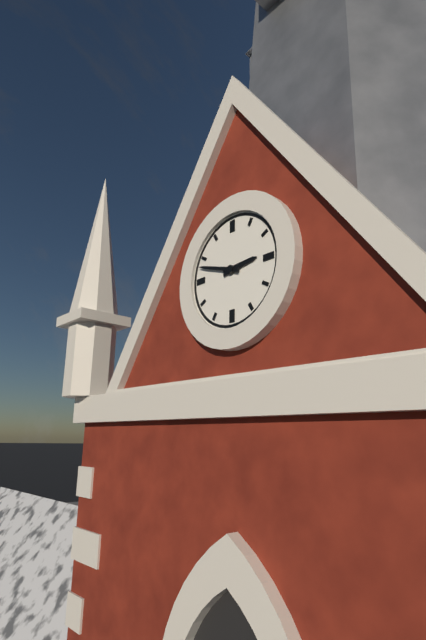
2:48
